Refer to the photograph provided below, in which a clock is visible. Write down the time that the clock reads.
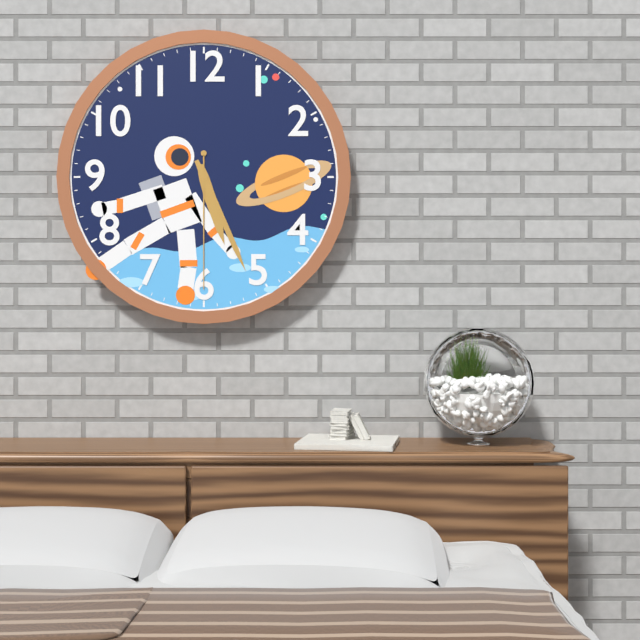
5:26:30
